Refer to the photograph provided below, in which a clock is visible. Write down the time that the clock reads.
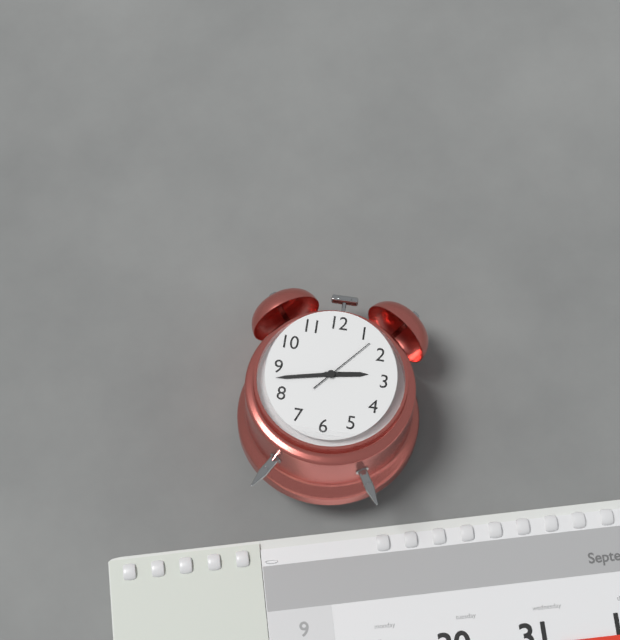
2:43:07
